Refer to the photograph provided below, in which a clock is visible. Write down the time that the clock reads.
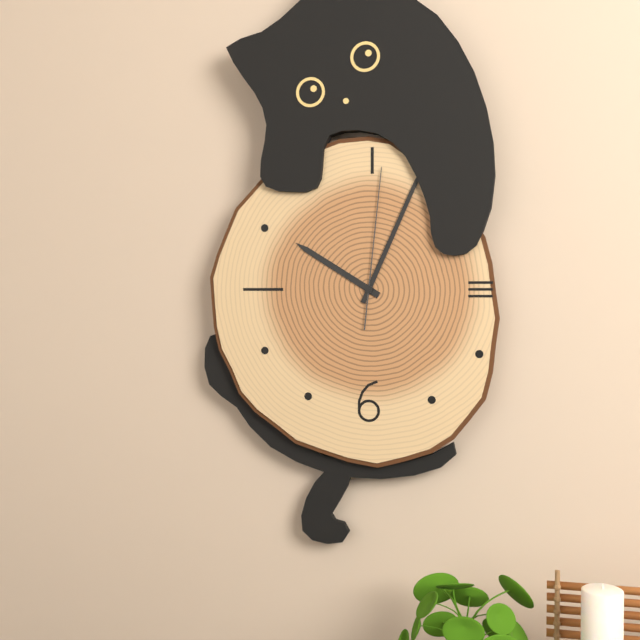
10:04:01
